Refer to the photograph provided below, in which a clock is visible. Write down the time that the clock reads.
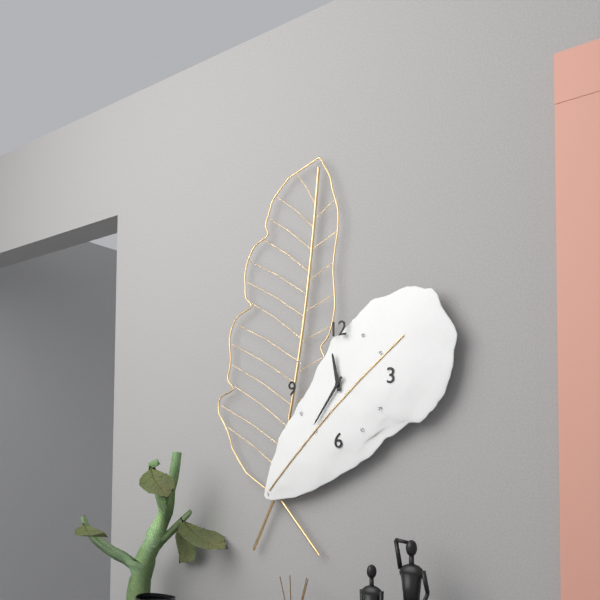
11:36
